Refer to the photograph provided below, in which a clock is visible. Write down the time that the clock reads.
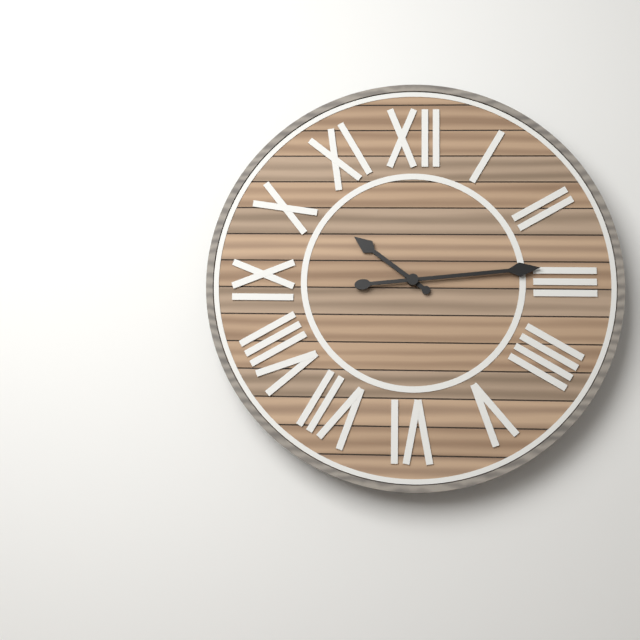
10:14
